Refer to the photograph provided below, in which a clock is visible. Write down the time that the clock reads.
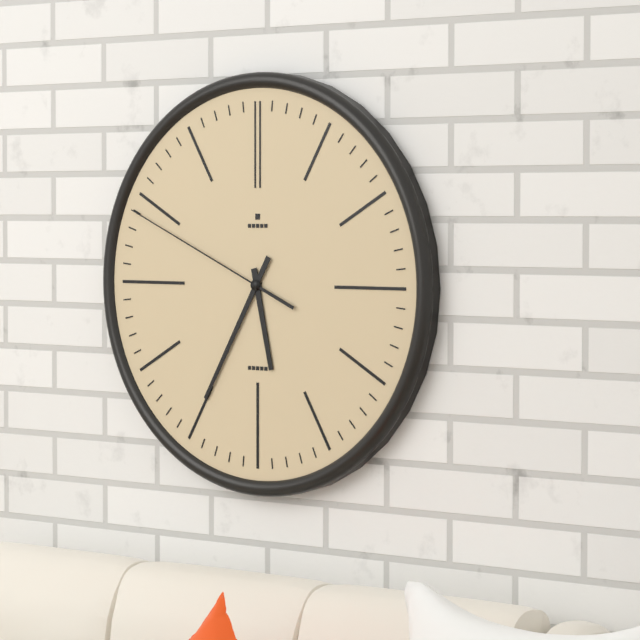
5:35:49
